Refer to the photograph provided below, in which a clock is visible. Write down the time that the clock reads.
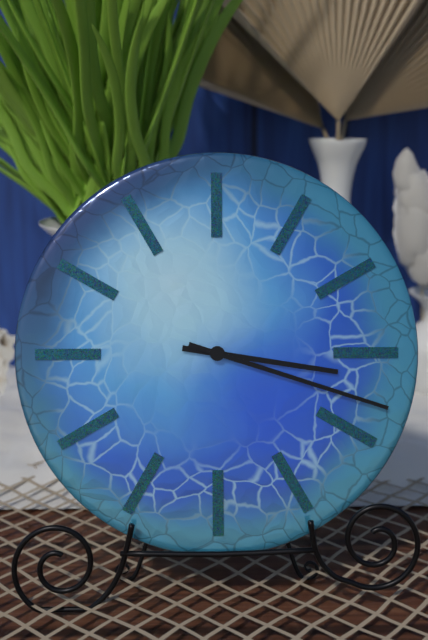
3:18
